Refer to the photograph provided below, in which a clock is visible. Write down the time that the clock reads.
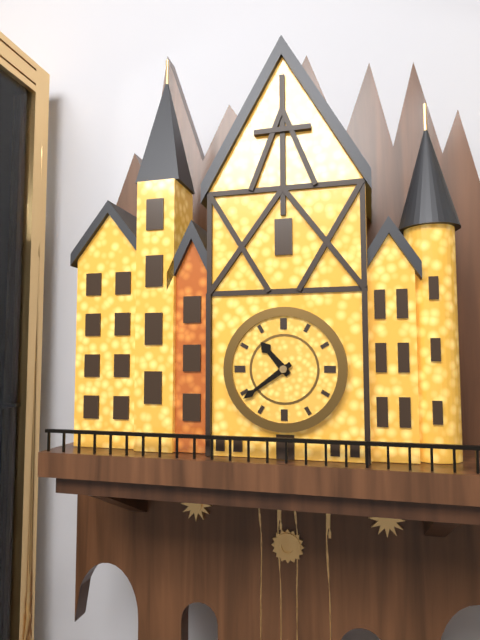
10:39
